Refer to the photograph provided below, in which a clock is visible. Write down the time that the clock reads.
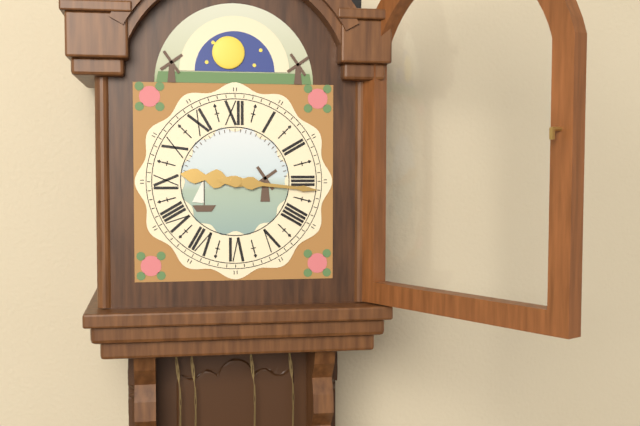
9:16
